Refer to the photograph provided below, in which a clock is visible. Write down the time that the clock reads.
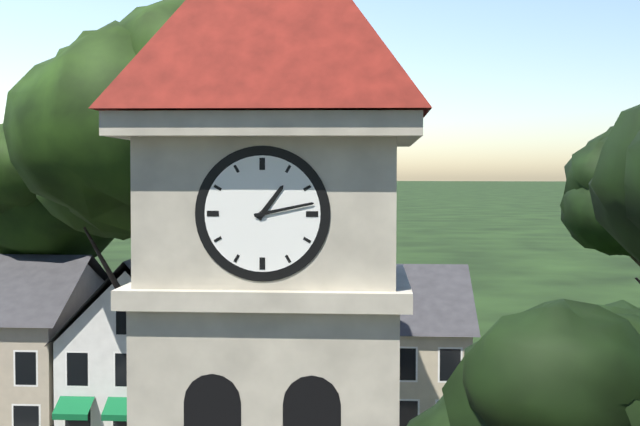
1:13
